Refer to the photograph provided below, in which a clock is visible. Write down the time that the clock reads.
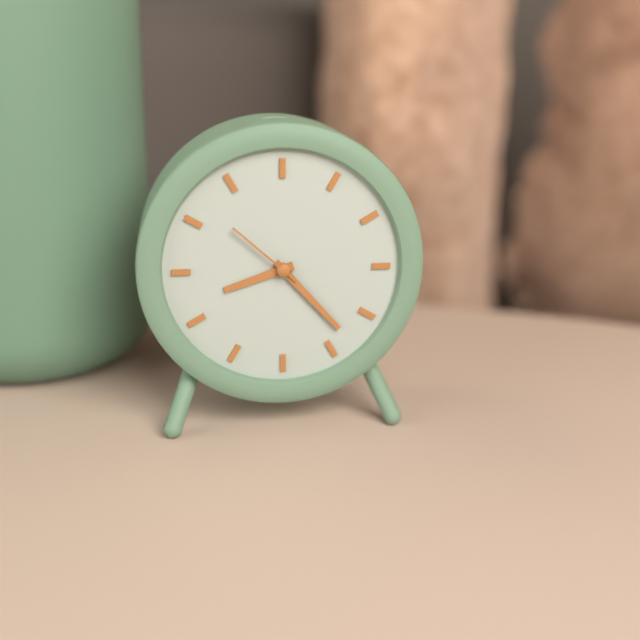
8:23:52
